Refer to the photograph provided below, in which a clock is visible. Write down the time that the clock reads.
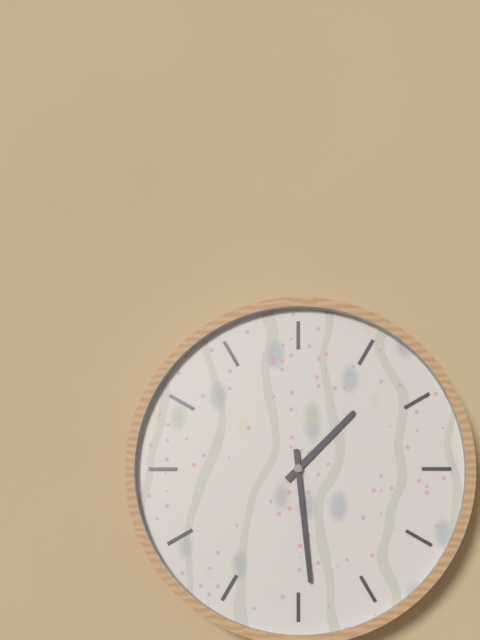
1:29
